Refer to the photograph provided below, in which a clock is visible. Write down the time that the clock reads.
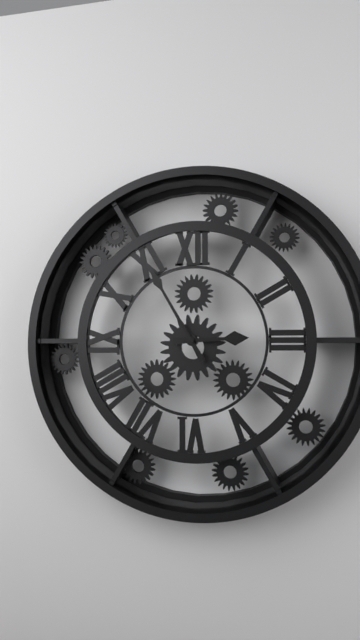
2:55
